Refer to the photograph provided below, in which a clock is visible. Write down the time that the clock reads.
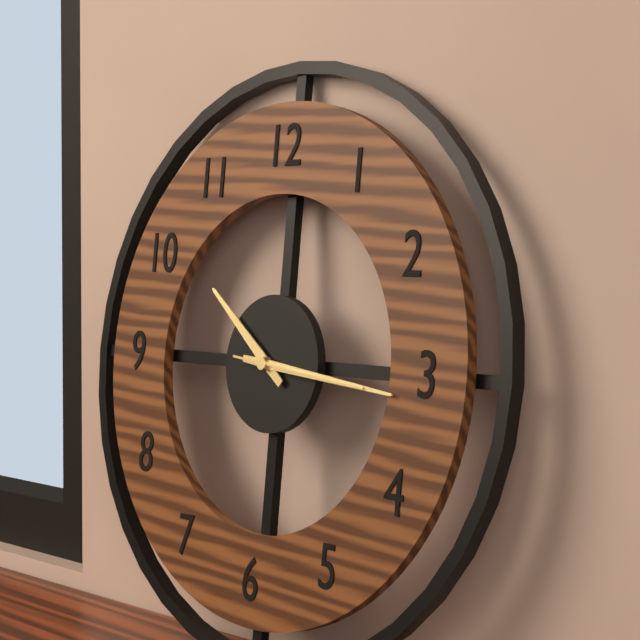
10:16:16
